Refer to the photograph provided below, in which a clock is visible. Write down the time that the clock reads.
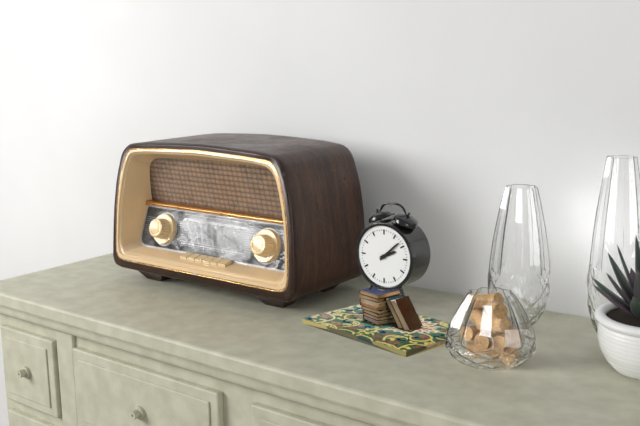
2:08
